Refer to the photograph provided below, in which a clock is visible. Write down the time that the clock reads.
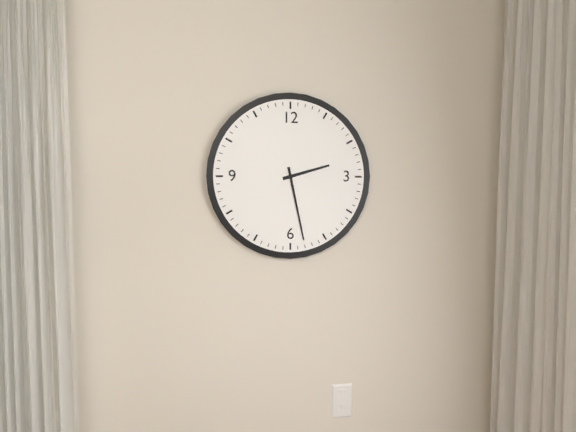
2:28
